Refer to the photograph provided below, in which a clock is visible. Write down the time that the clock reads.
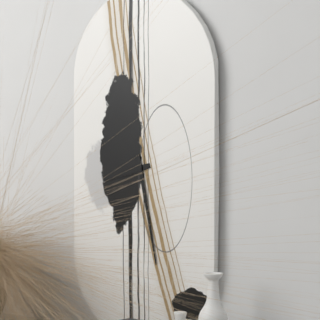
8:28
